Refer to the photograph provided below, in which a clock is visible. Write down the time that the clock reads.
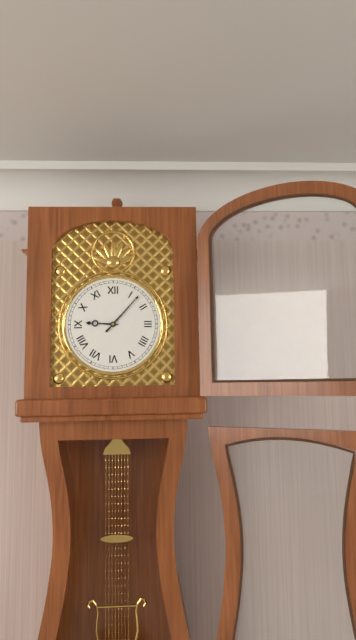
9:07
